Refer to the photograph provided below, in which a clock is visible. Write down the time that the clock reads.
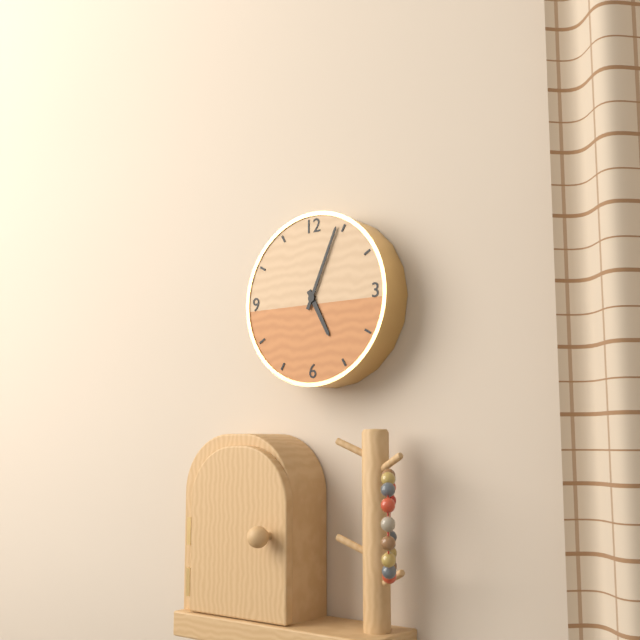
5:04
